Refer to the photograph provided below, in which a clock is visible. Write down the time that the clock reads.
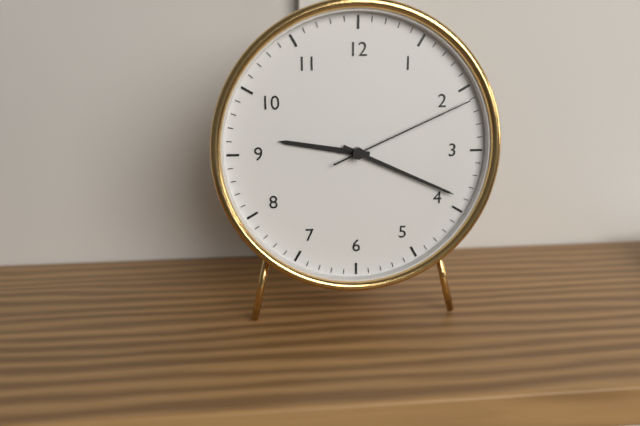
9:19:11
